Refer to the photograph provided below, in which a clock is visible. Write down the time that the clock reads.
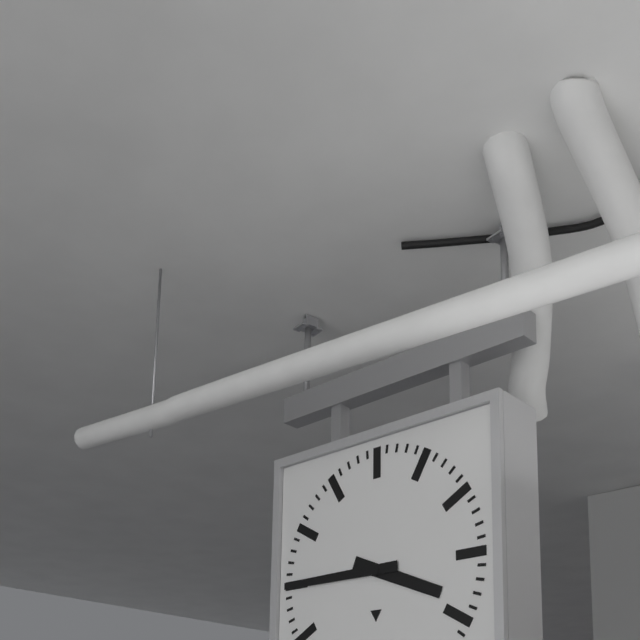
3:45
